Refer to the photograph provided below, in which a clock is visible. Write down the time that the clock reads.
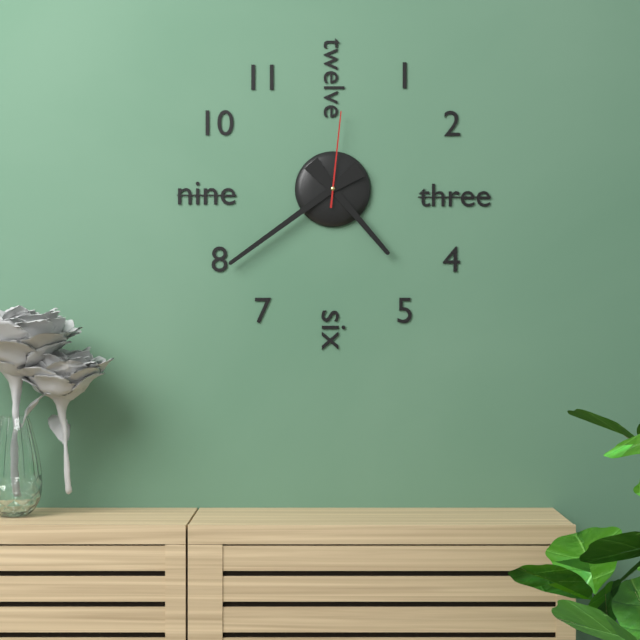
4:39:01
